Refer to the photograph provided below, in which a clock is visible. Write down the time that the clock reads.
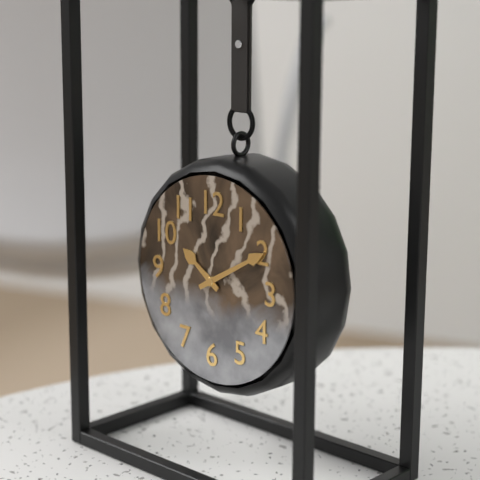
10:10
